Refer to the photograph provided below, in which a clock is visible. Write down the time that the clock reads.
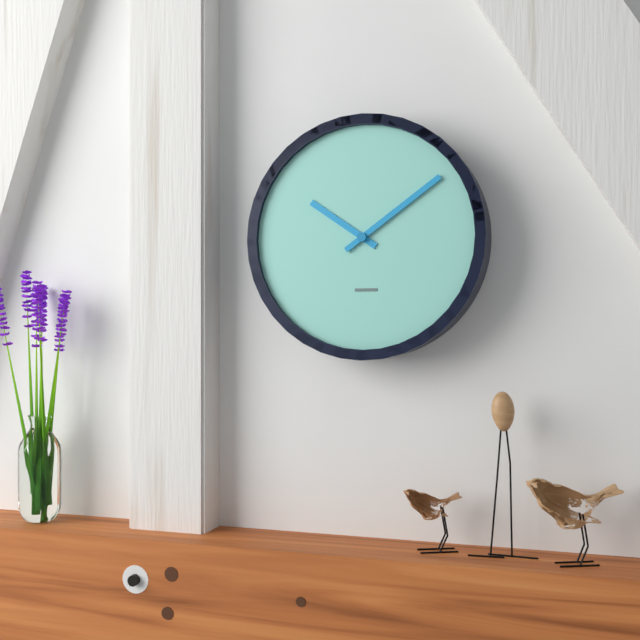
10:09
